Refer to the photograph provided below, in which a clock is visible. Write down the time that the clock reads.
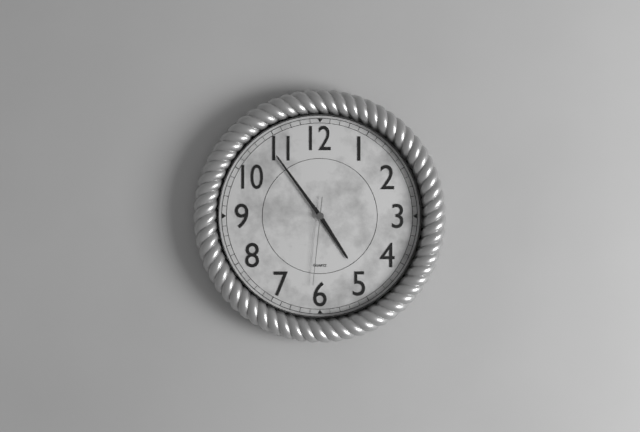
4:54:31
